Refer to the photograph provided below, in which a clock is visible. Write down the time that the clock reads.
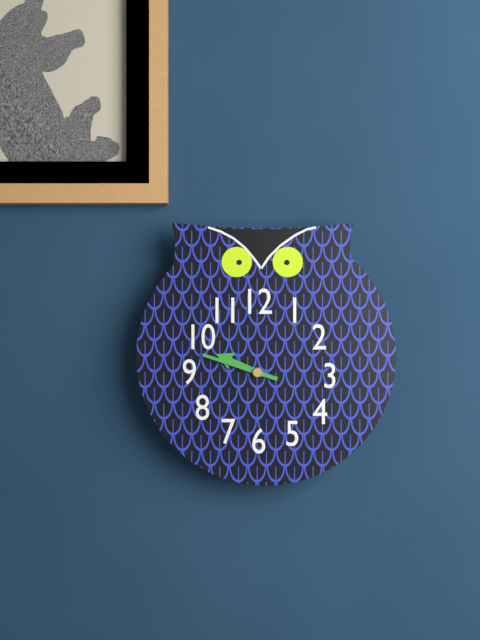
9:48
